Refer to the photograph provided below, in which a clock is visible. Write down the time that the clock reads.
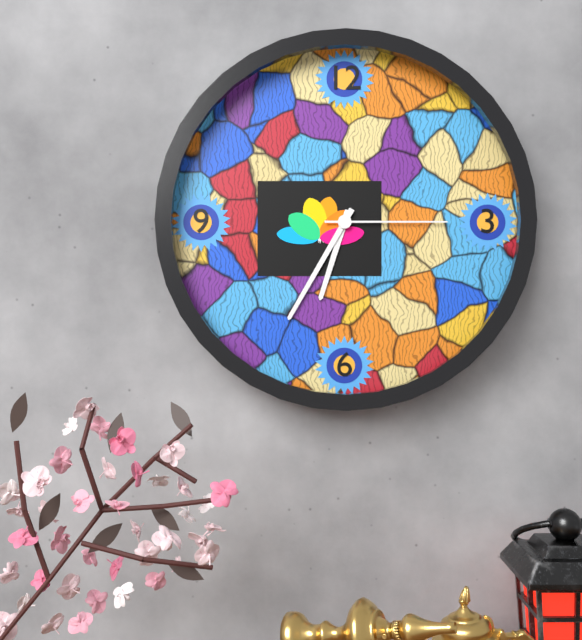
6:35:15
